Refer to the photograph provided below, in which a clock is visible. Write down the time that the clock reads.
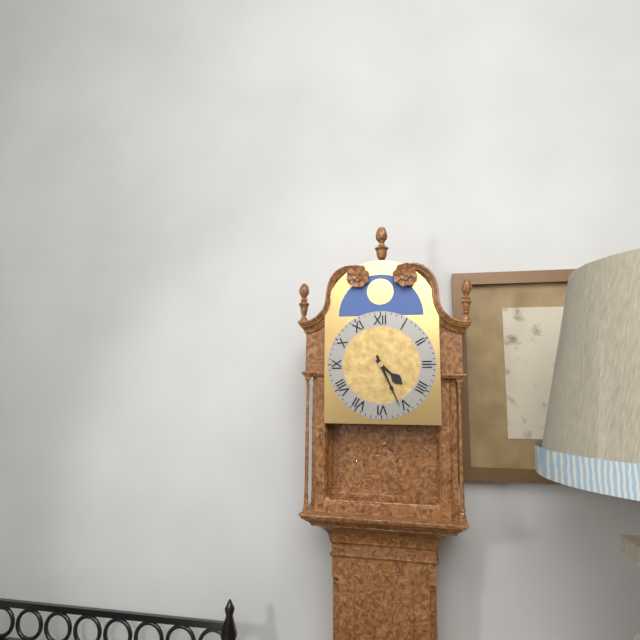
4:26
